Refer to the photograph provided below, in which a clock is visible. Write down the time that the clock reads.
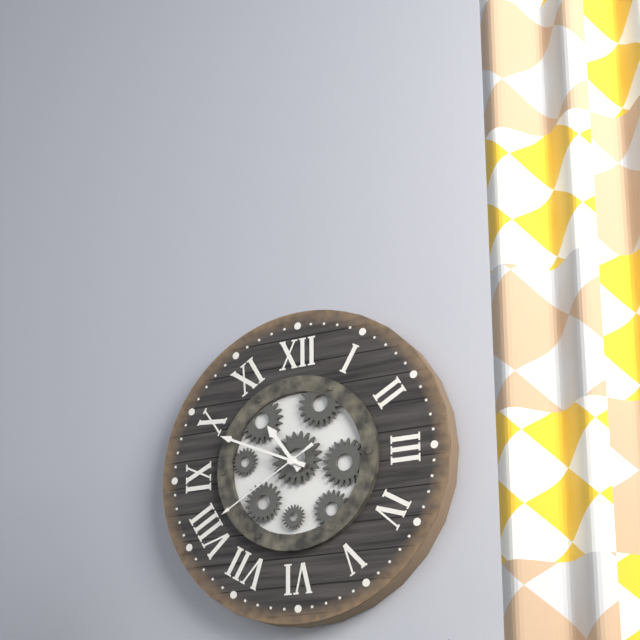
10:49:40
